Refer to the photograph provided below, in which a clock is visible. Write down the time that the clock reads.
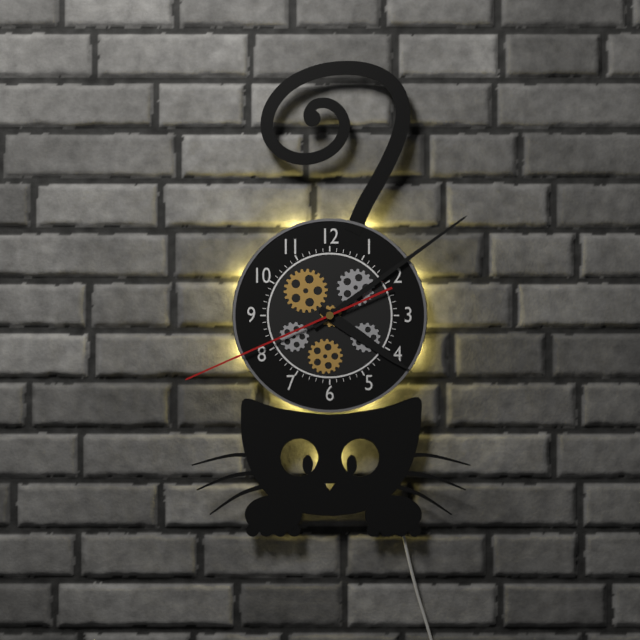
4:09:41
